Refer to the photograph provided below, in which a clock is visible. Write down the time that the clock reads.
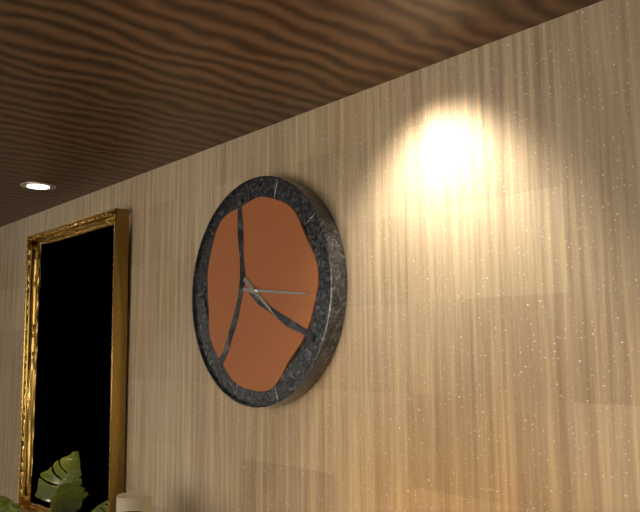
4:16
